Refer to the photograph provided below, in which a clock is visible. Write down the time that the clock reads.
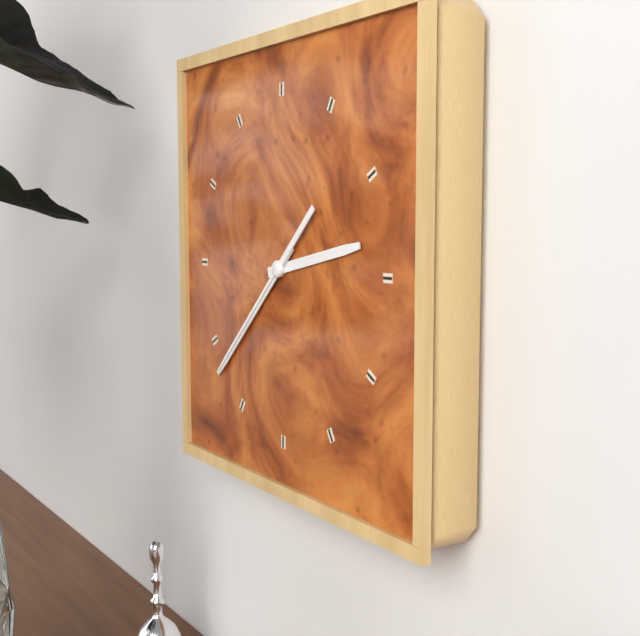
2:38:38
